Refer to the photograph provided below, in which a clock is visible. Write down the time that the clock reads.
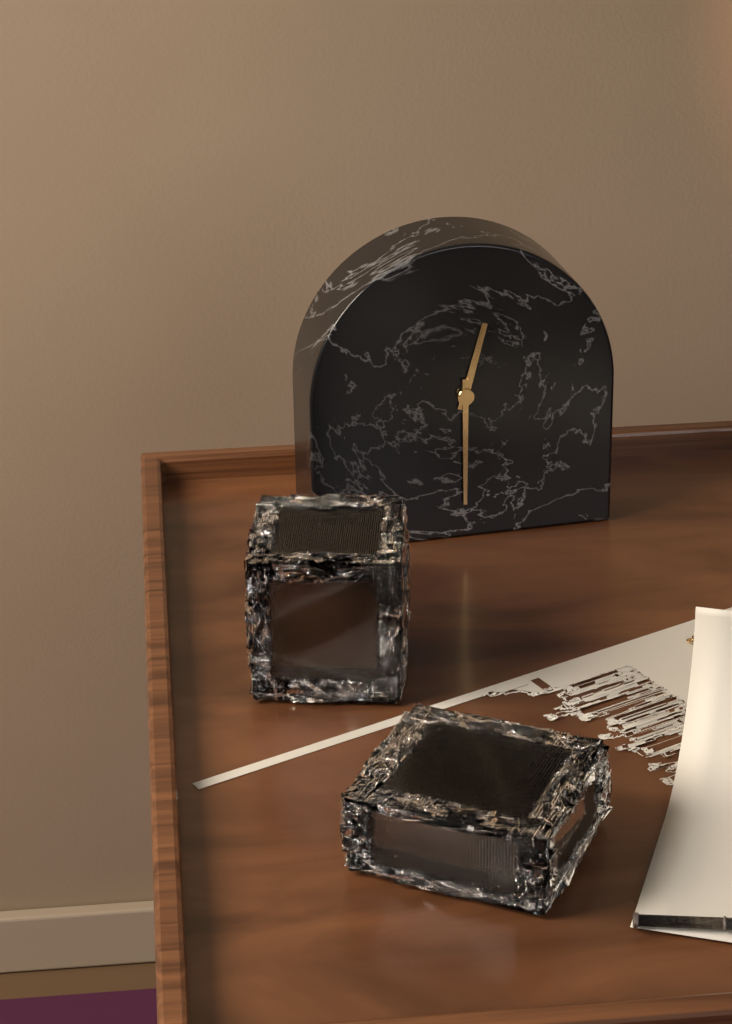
12:30
